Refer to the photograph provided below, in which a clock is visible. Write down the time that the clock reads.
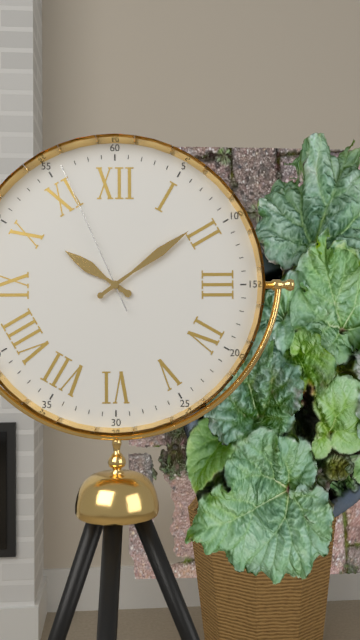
10:09:56
